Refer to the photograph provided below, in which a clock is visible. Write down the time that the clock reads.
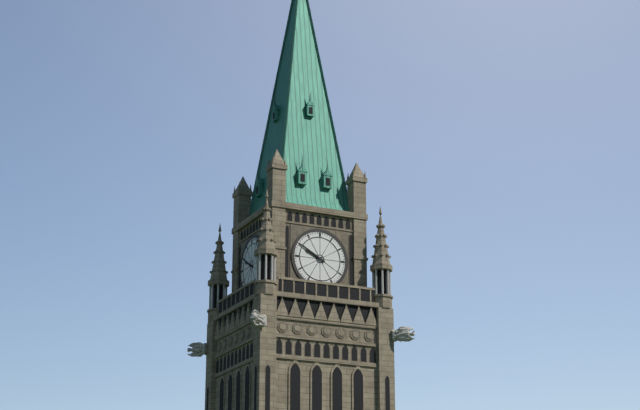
9:50
